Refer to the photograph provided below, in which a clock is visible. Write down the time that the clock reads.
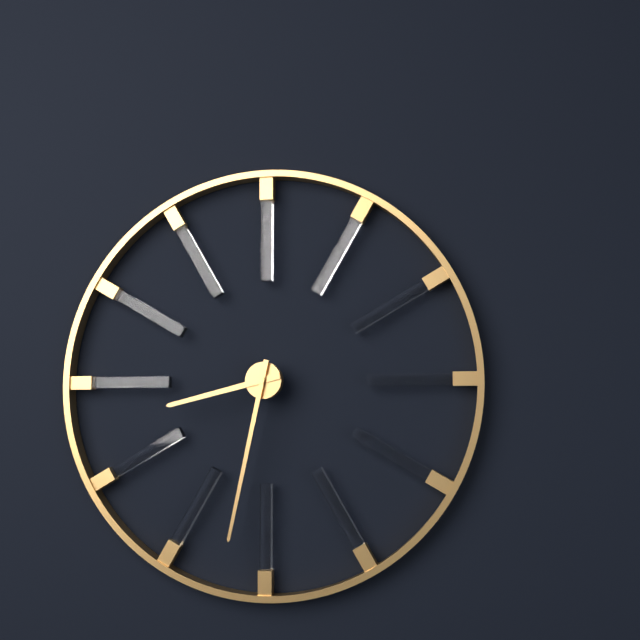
8:32
